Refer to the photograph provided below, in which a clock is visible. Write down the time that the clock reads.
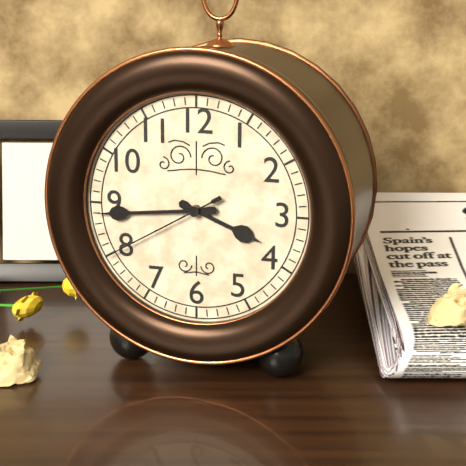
3:44:40
